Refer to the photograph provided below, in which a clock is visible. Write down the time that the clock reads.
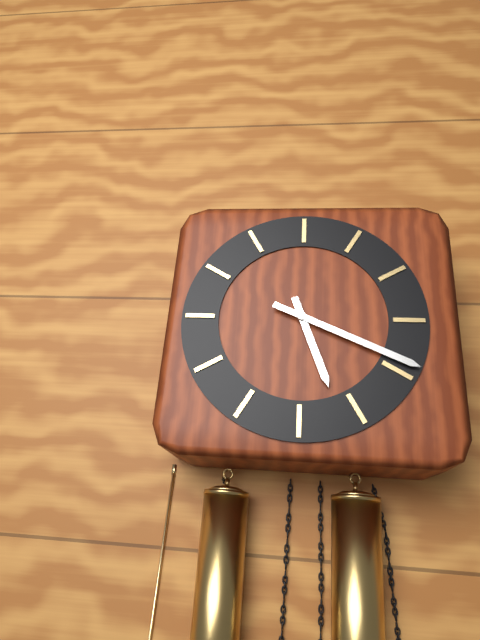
5:19
